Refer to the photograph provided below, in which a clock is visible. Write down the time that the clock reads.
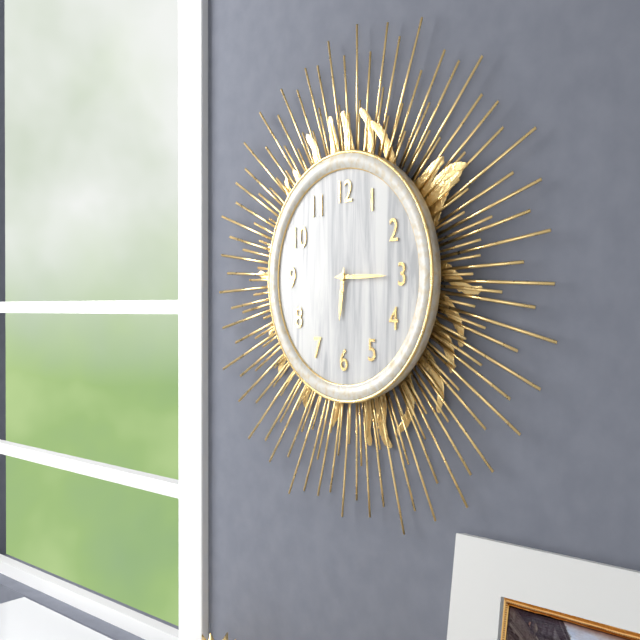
6:15
